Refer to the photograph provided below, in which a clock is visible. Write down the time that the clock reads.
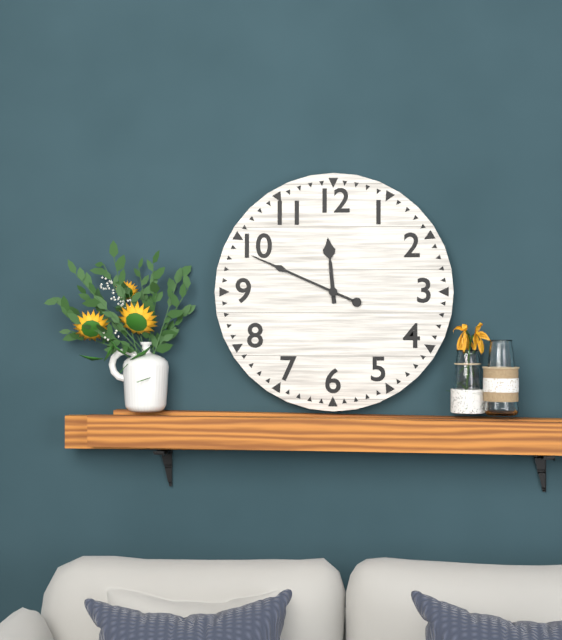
11:49
